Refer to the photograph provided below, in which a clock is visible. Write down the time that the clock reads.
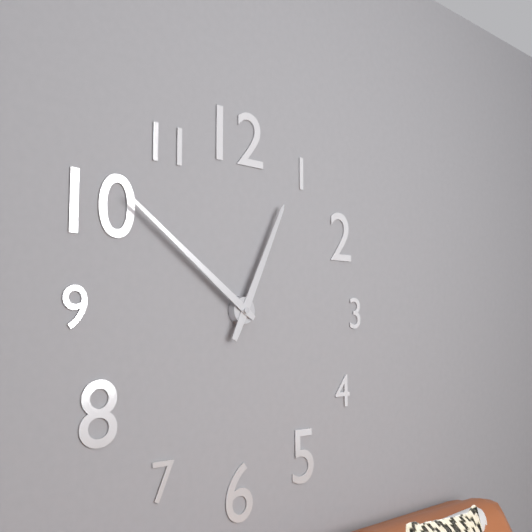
12:51
